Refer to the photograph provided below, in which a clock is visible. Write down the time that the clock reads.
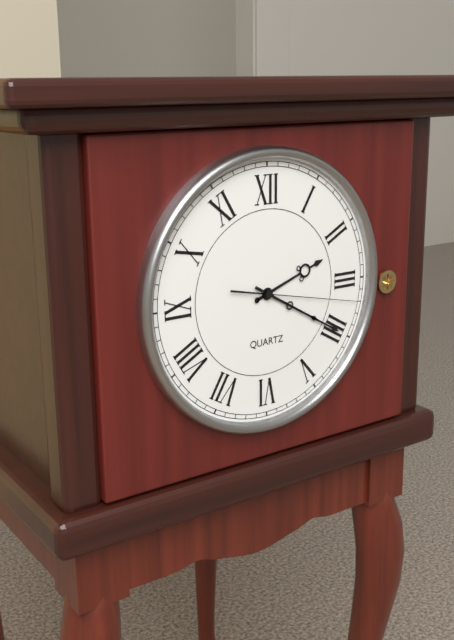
2:20:17
